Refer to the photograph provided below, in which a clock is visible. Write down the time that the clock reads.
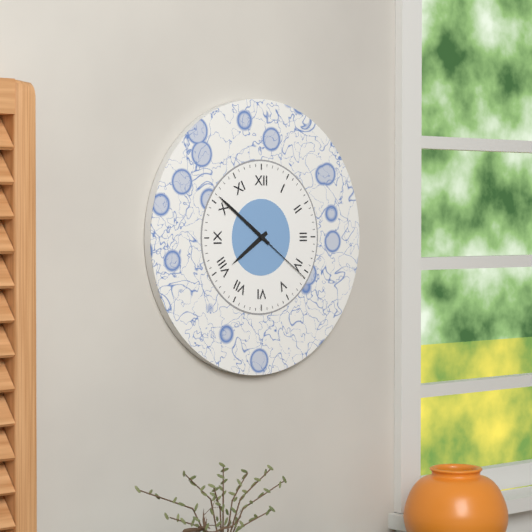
7:51:21
